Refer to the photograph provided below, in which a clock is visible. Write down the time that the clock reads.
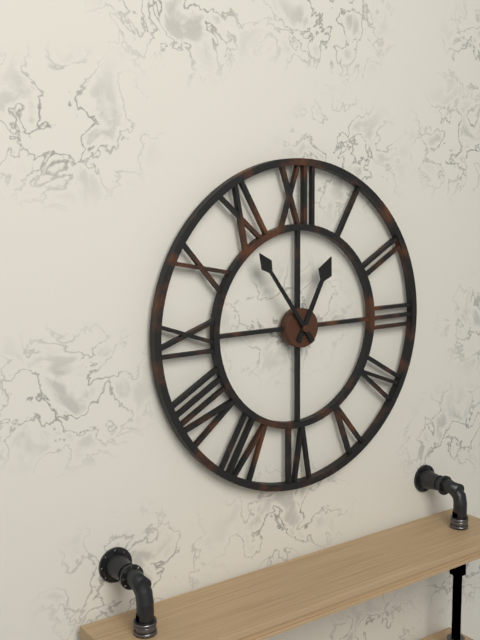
12:54
